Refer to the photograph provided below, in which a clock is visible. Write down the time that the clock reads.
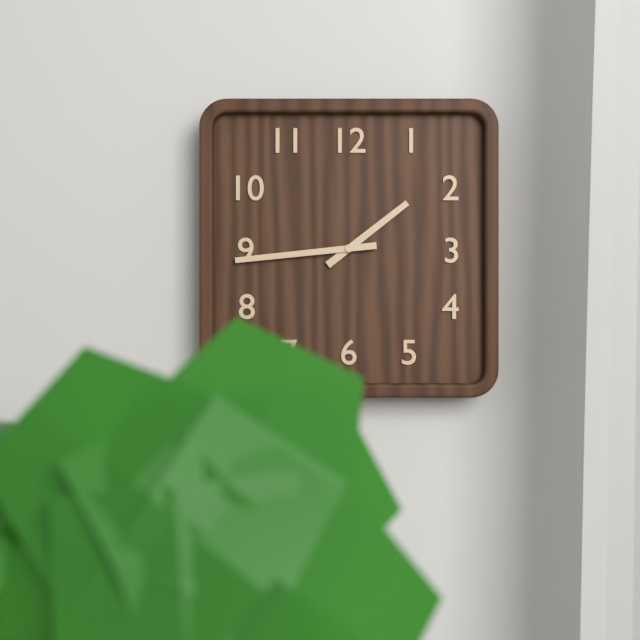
1:44
